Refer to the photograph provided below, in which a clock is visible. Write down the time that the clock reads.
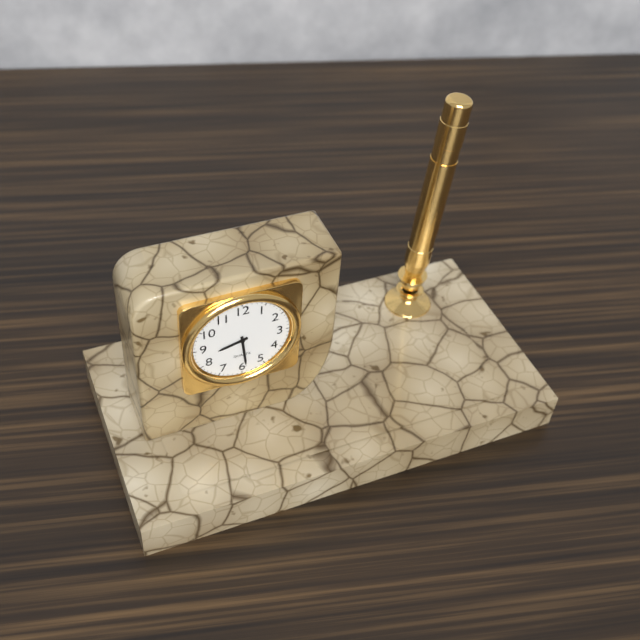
8:29
